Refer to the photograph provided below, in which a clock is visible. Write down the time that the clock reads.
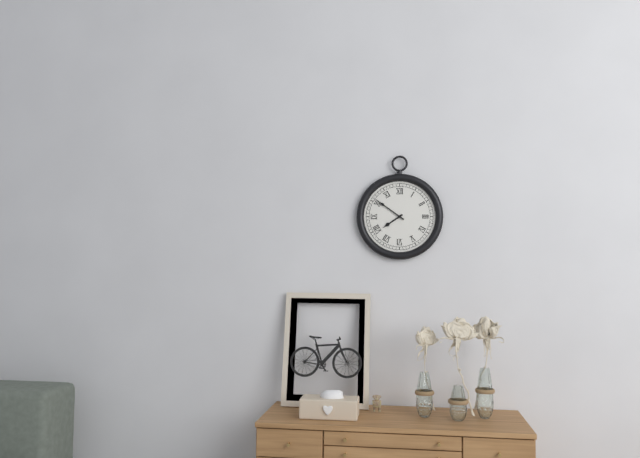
7:51
